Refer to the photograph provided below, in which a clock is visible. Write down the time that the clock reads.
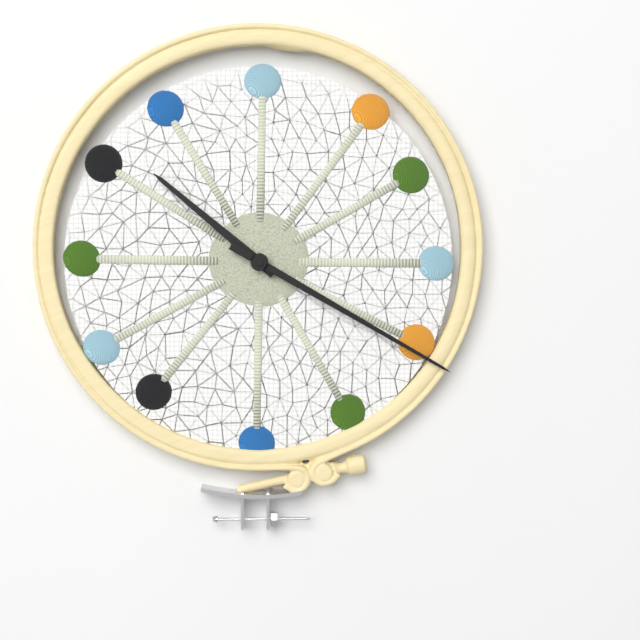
10:20
